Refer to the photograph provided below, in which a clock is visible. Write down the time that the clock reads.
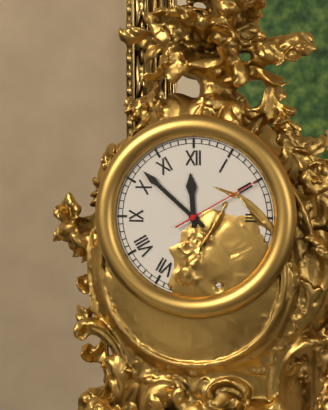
11:52:10
